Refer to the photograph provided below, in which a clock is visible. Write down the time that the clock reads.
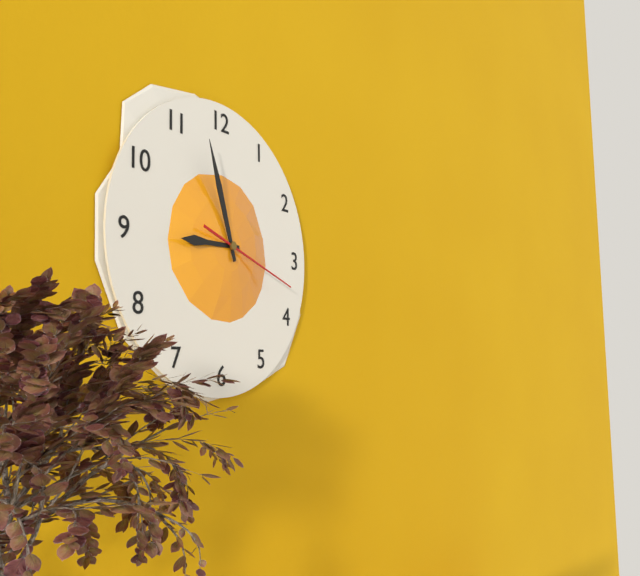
8:57:18
